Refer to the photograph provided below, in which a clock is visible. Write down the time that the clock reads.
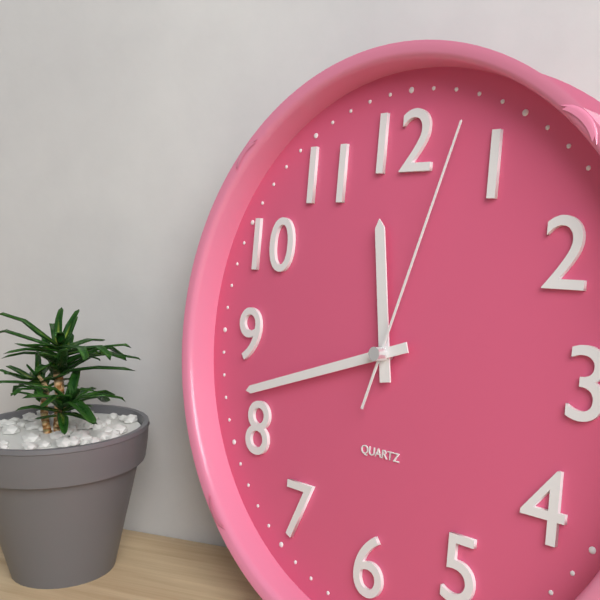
11:42:03
